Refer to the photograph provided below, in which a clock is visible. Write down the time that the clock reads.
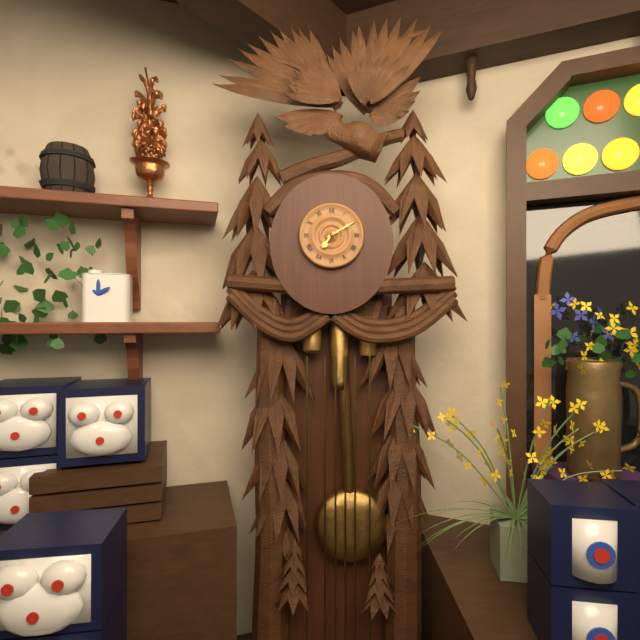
7:10
